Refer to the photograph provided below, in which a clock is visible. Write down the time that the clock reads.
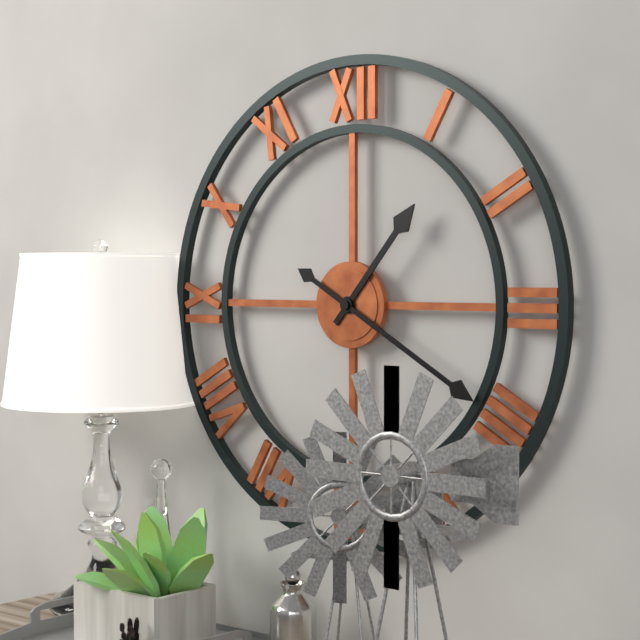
1:20
